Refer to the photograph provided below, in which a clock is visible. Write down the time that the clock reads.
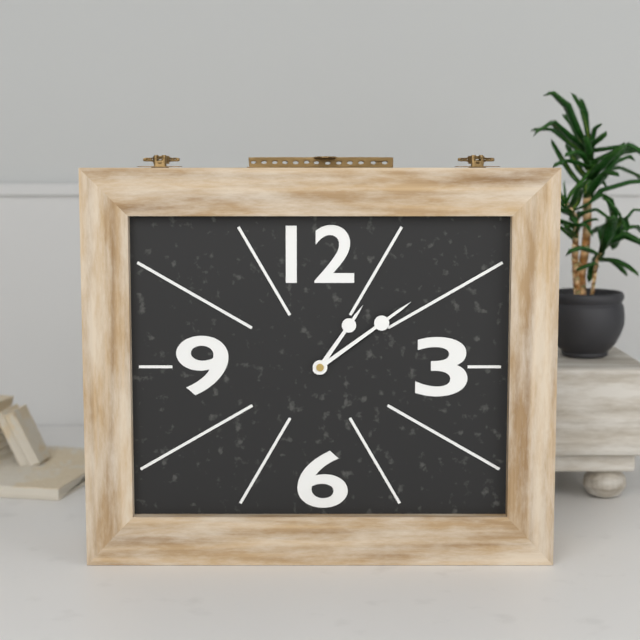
1:09
